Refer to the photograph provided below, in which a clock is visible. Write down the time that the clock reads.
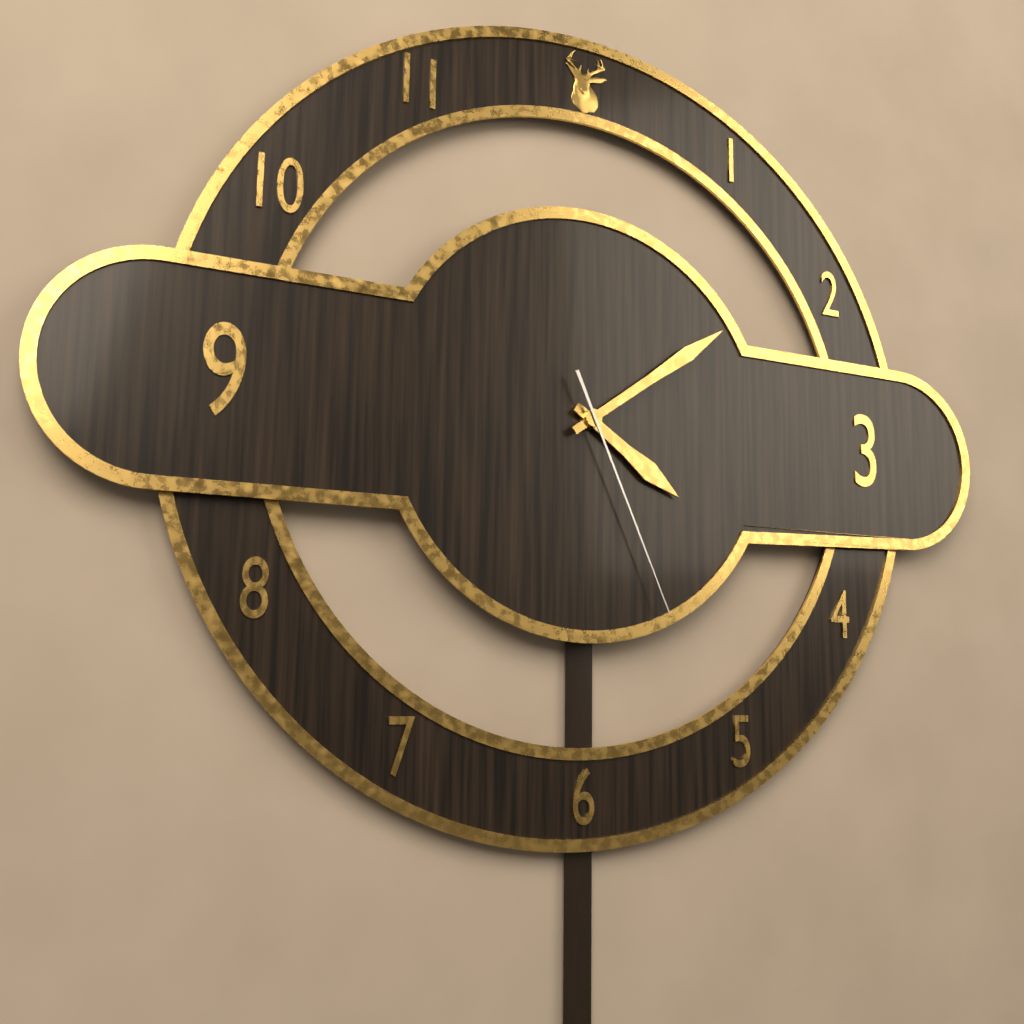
4:09:26
